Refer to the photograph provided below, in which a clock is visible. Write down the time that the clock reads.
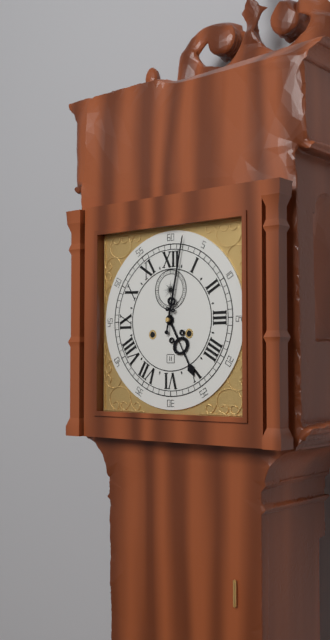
5:02
